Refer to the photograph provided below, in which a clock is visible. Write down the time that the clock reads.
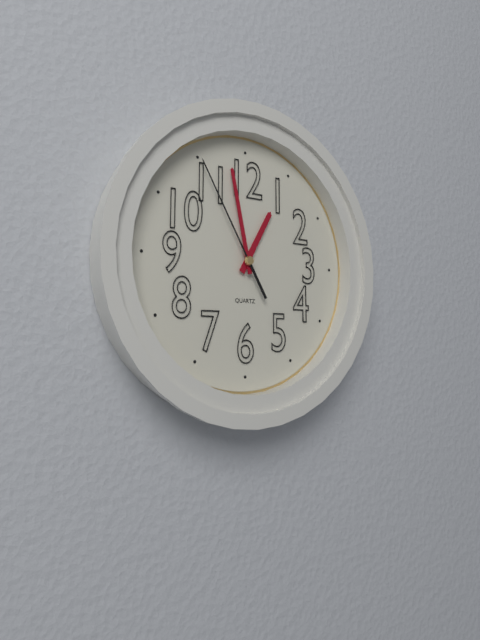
12:58:55
